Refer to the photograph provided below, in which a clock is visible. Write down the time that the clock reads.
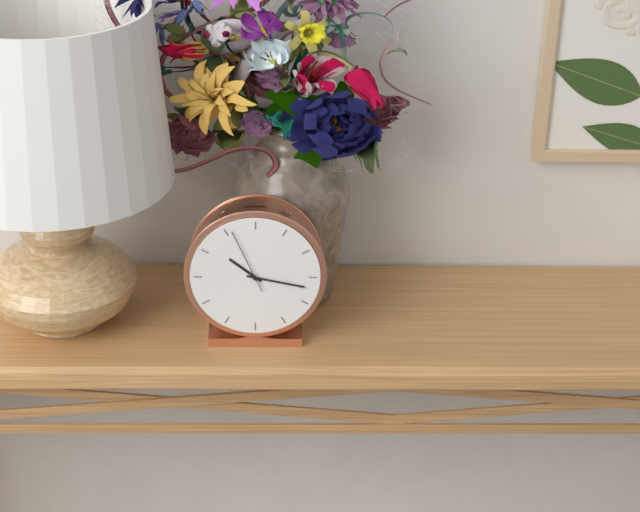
10:17:56
